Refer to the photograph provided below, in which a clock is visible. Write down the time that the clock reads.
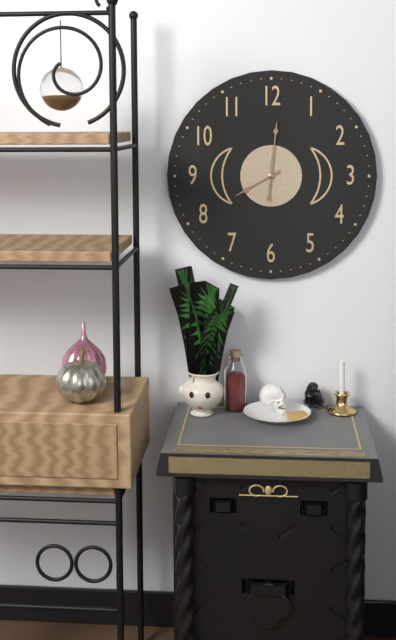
8:01
